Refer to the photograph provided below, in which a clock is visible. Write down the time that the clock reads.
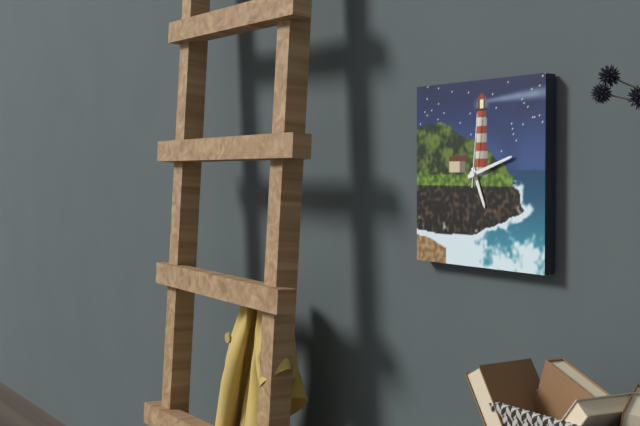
5:12:01
